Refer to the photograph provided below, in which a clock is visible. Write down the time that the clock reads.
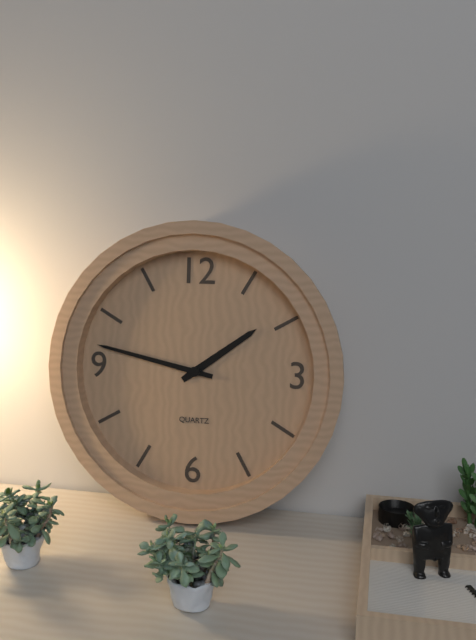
1:47
